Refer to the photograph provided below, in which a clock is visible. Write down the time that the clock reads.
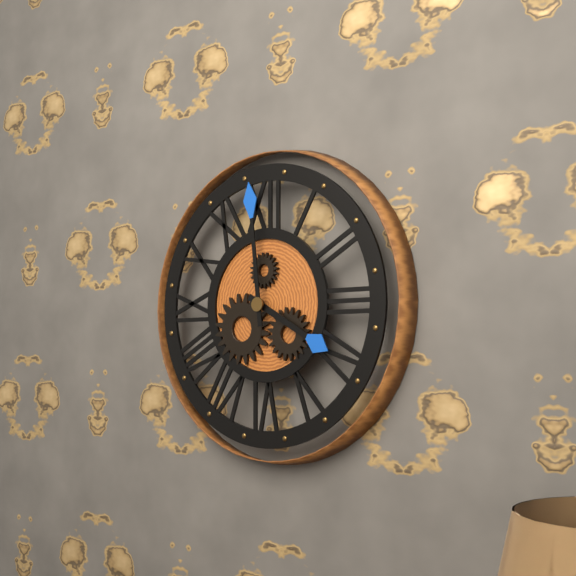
3:59
